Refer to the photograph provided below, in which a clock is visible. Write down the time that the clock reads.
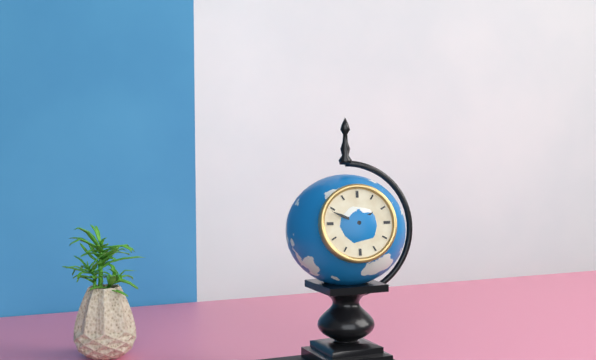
1:49
